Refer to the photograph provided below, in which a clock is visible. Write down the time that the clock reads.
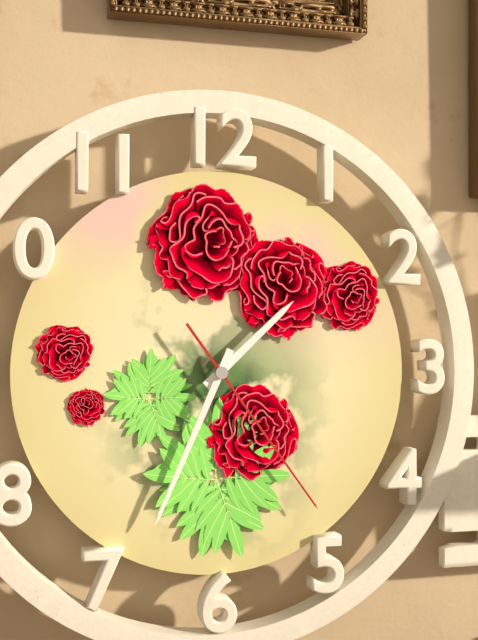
1:34:24
